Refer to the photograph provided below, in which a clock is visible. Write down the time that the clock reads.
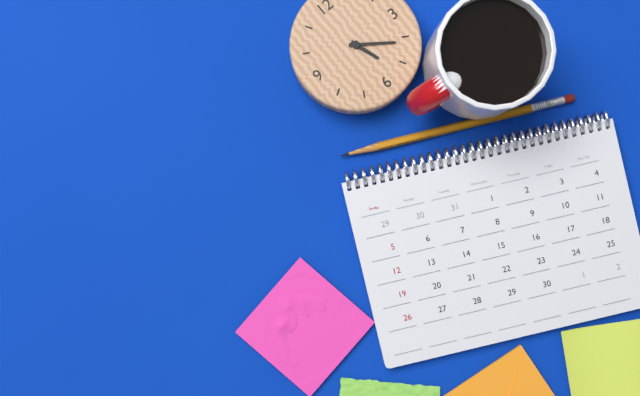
5:21
